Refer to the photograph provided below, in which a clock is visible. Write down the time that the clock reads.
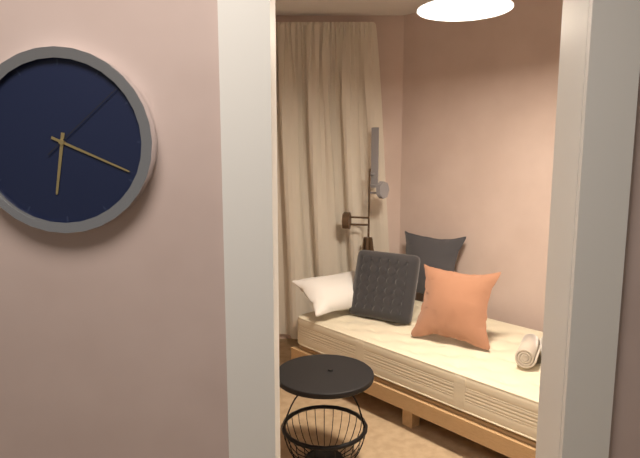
6:19:08
